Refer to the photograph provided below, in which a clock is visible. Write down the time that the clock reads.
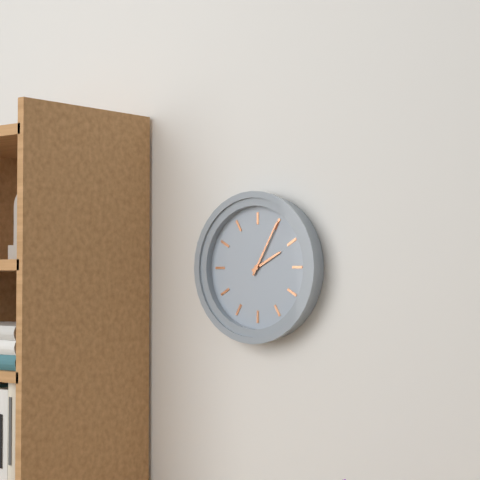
2:05
